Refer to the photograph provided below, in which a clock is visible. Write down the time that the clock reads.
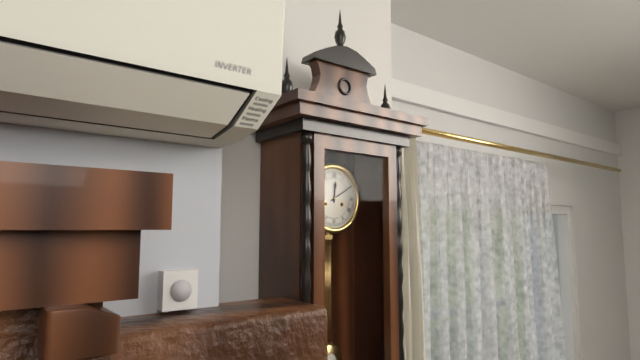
12:10
